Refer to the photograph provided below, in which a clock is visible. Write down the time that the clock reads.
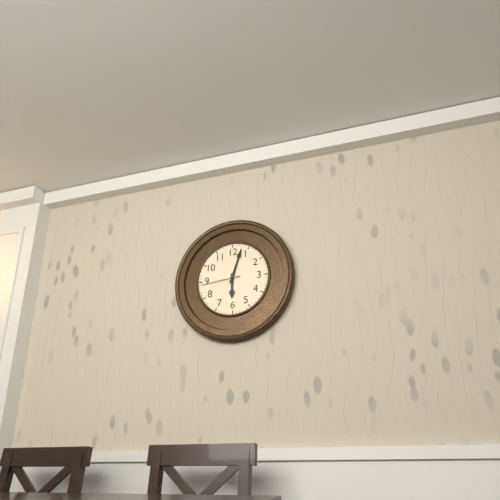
6:03
